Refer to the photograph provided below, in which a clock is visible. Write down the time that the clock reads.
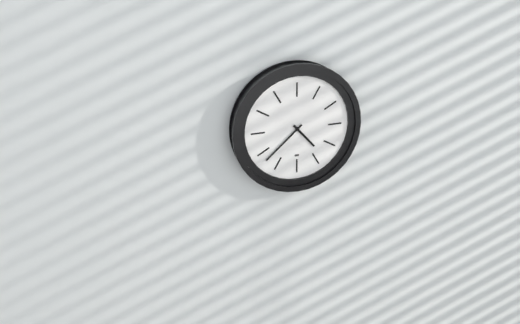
4:38
